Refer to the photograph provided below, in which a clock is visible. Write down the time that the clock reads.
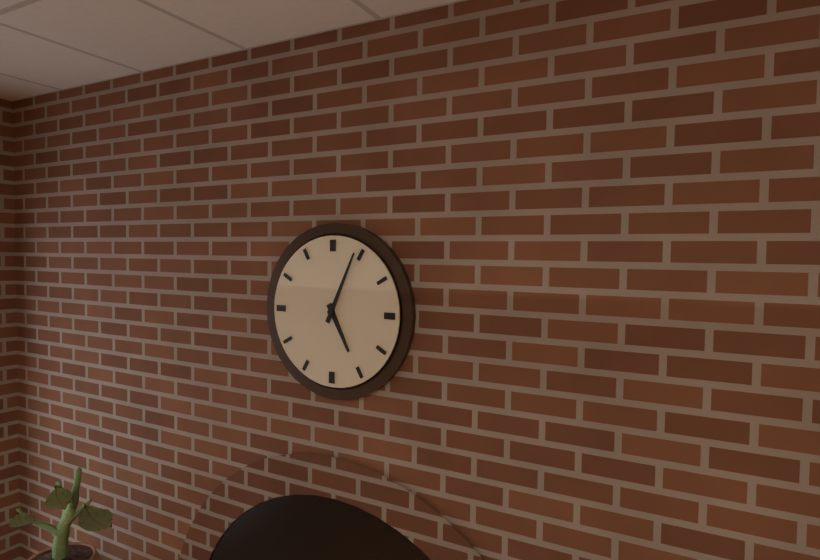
5:04
